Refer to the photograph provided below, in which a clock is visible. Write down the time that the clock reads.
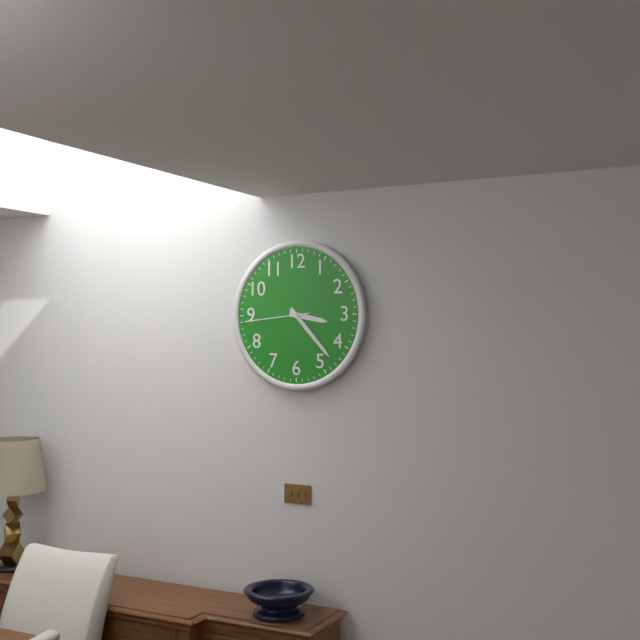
3:23:44
